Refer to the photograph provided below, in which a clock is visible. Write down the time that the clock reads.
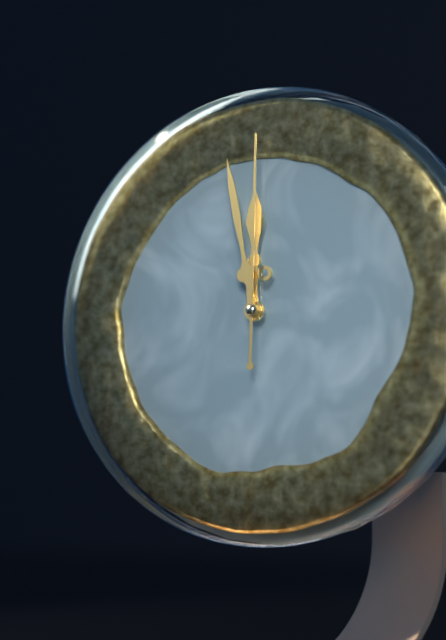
11:58:00
